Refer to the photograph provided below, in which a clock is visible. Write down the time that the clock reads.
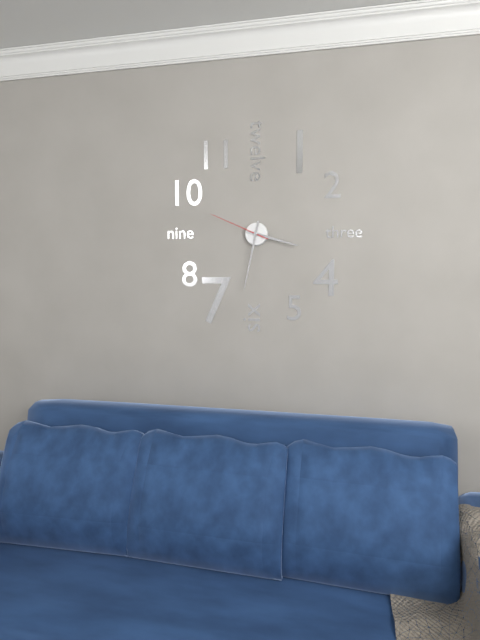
3:32:49
